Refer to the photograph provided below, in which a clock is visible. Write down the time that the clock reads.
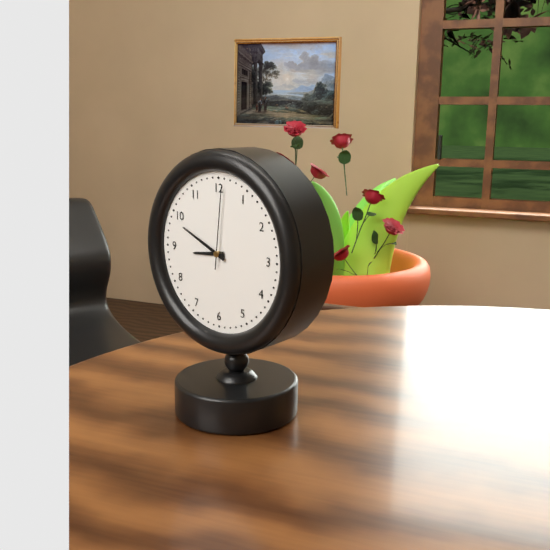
8:49:01
